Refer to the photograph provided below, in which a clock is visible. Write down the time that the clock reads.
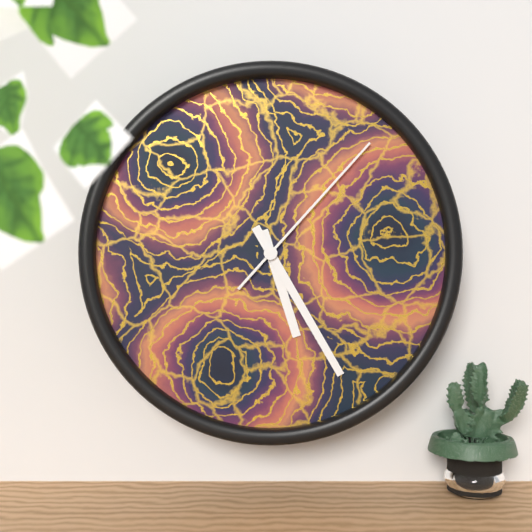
5:25:07
